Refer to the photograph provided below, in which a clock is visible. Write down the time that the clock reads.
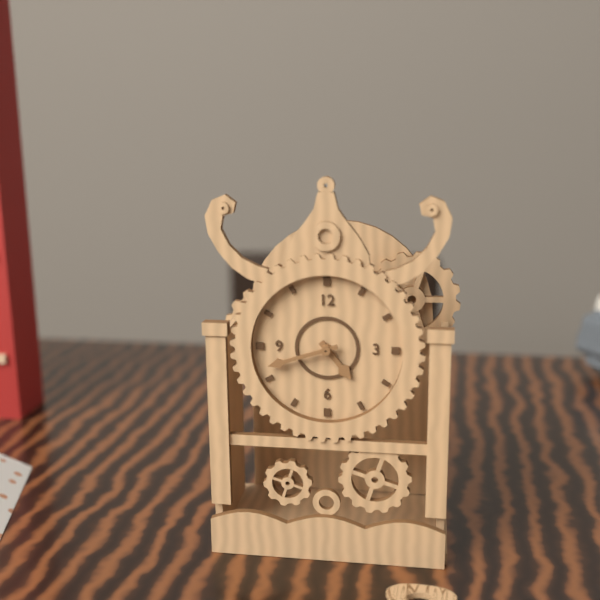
4:42
